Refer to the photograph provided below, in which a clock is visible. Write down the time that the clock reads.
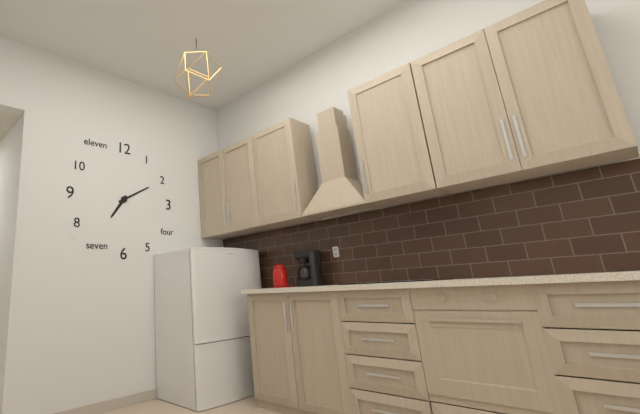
7:10
